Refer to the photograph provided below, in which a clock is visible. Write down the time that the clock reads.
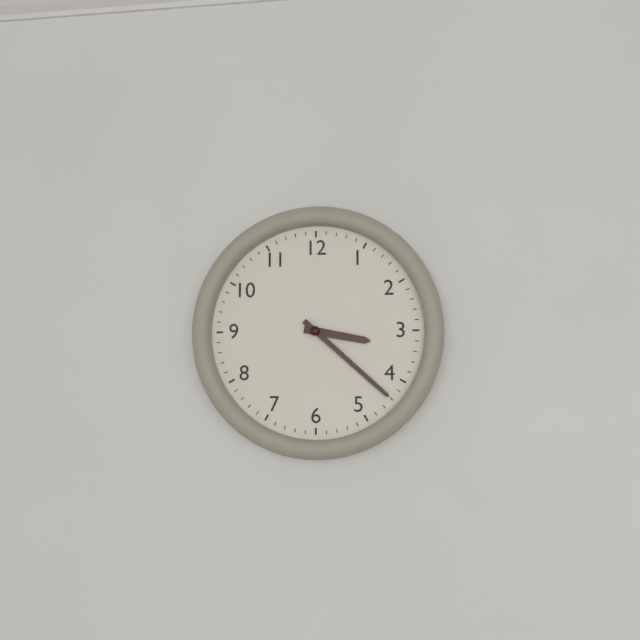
3:22
